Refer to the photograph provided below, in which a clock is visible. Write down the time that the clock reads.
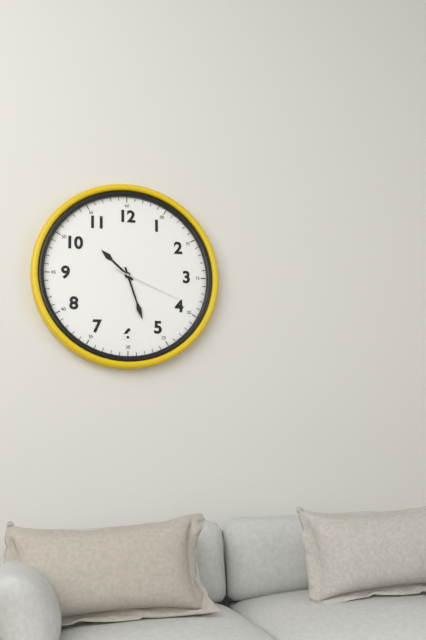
10:27:19
